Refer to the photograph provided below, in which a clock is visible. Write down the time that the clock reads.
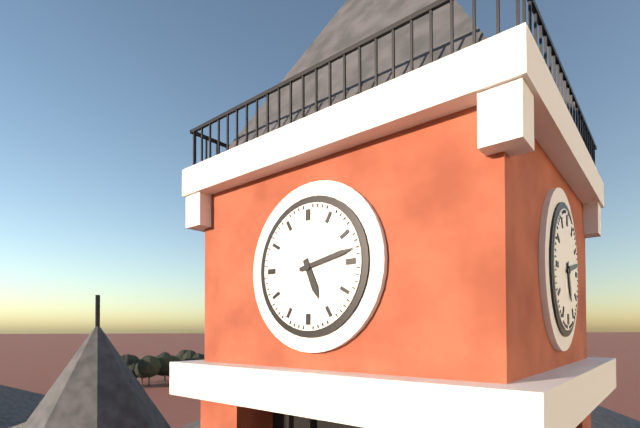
5:13
